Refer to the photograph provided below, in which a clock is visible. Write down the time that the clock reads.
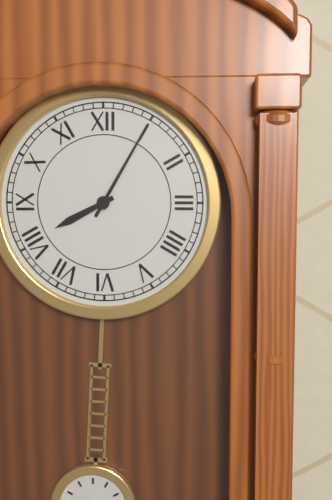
8:05
